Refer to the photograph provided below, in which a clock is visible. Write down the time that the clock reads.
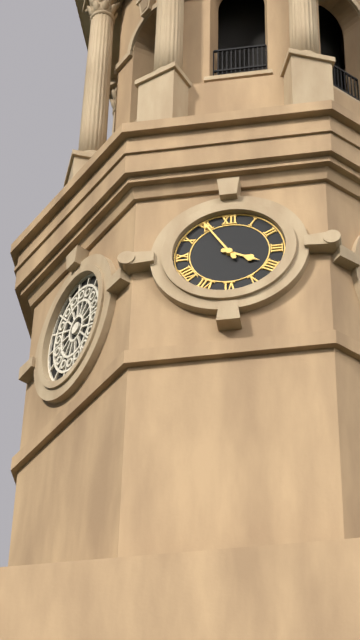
3:55
